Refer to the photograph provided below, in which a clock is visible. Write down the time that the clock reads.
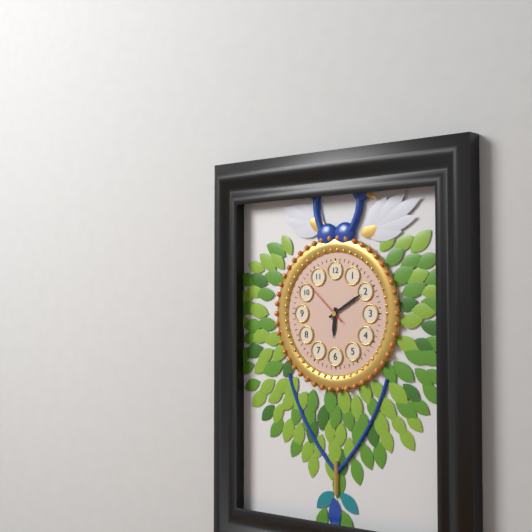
6:10:52
